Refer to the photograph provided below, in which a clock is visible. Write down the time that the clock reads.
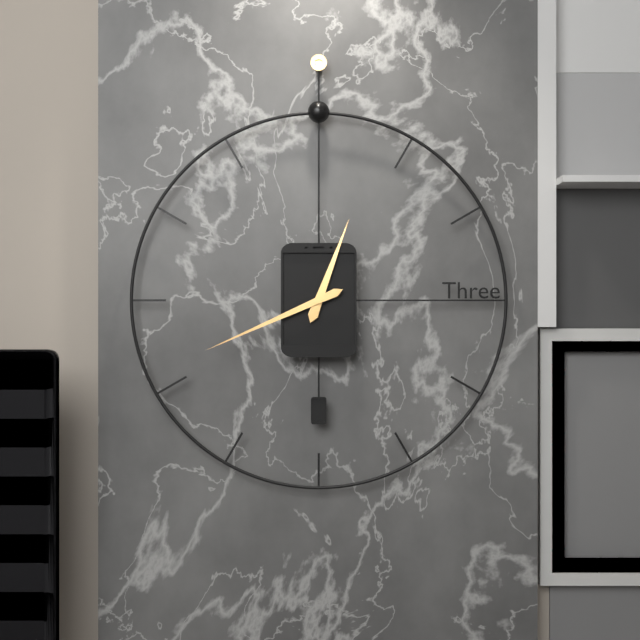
12:41
